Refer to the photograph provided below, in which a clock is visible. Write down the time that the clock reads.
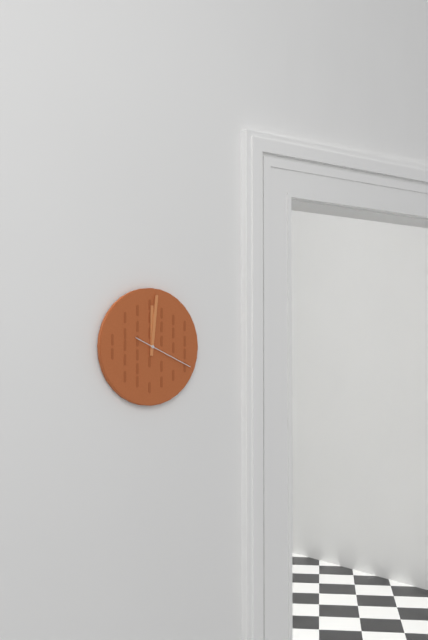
12:01:19
